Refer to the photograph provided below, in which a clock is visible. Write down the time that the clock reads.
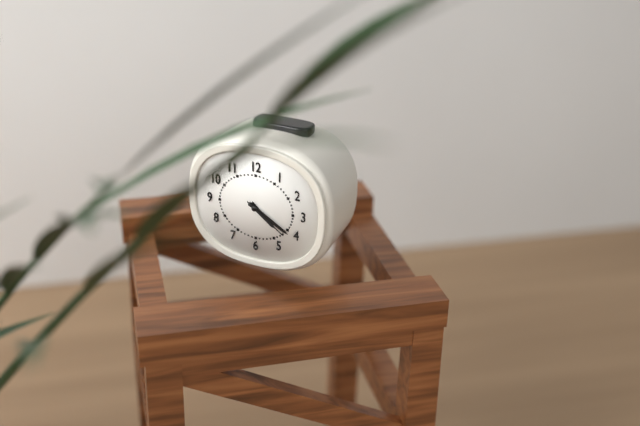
4:20
